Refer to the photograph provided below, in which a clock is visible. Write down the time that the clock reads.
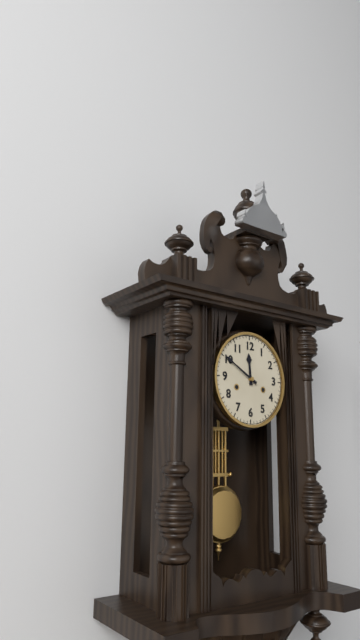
11:50
